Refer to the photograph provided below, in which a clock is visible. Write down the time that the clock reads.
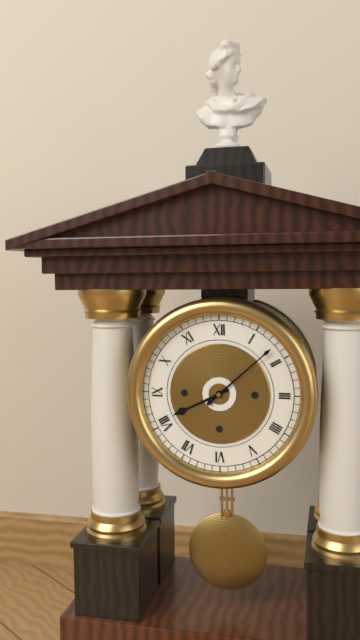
8:08
